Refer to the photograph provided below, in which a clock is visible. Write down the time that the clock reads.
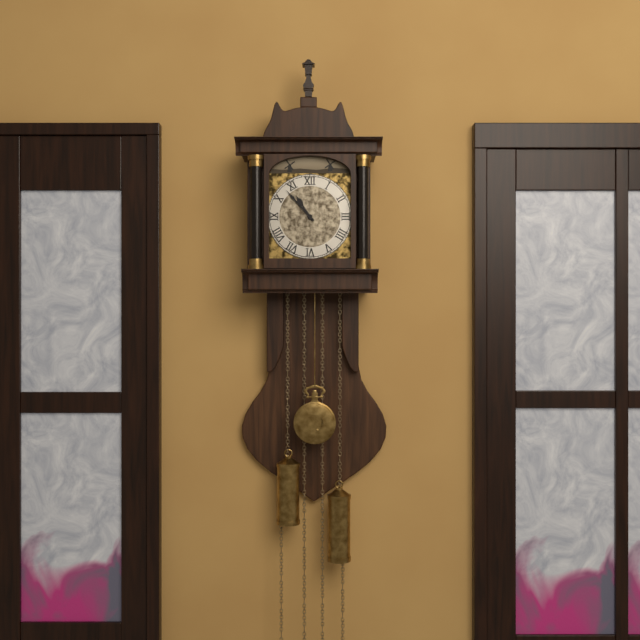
10:53
